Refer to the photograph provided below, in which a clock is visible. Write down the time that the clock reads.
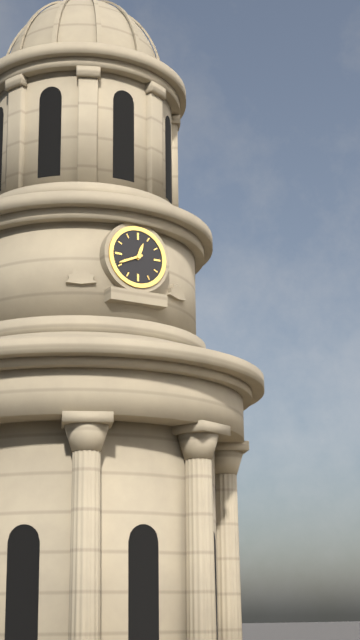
12:41
